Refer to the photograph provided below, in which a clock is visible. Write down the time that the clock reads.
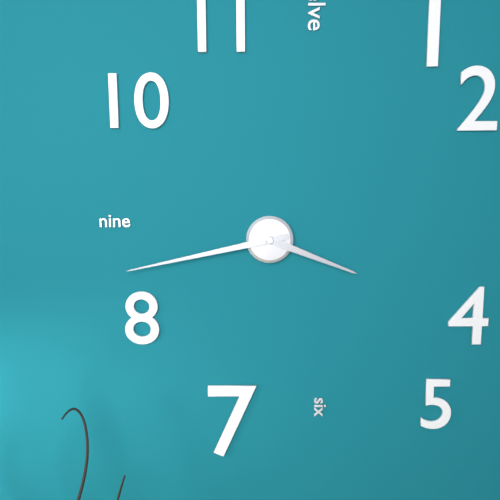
3:43
